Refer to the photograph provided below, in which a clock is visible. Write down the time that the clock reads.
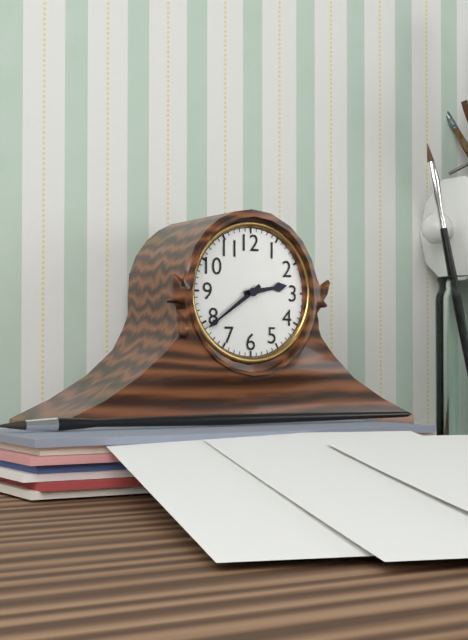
2:39
